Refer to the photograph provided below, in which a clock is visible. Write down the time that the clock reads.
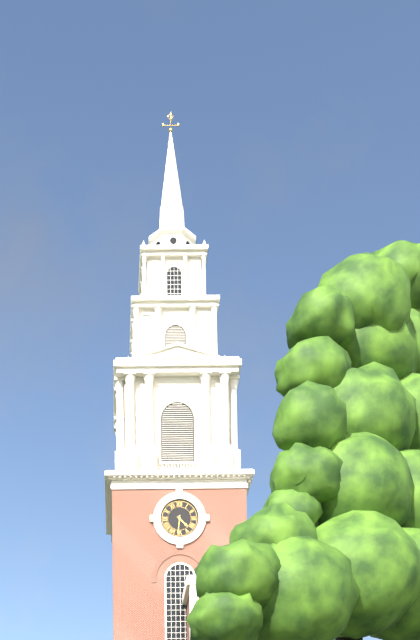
4:31
